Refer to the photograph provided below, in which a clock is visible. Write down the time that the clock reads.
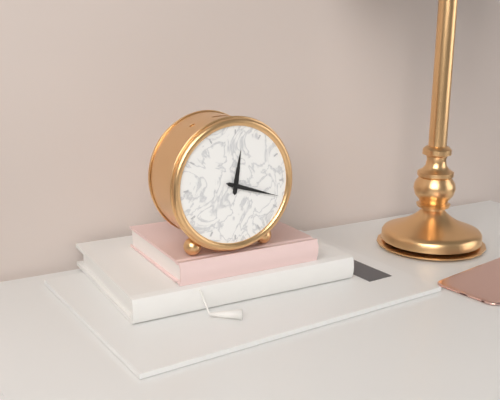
12:18
